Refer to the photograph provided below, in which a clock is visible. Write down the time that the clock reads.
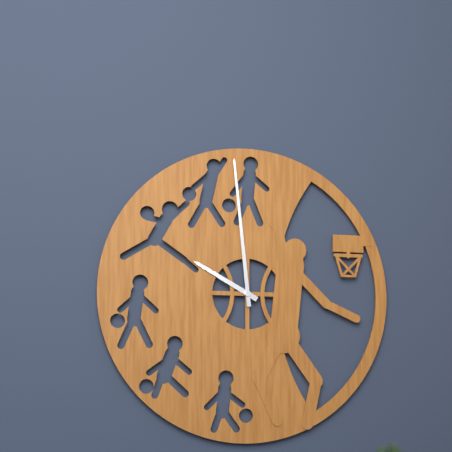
9:59
